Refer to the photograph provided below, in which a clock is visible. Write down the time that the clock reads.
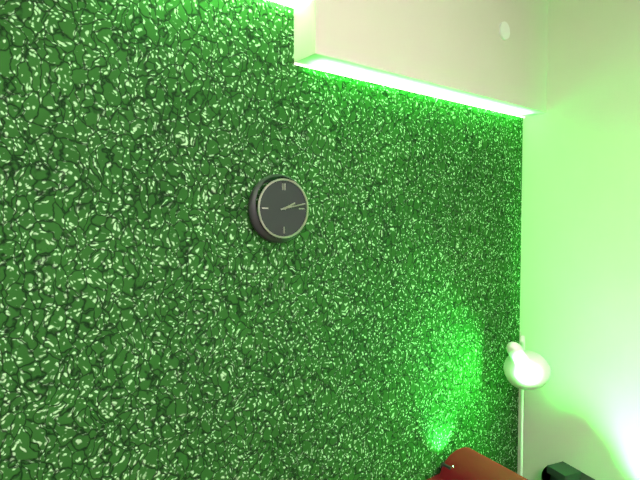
2:13
